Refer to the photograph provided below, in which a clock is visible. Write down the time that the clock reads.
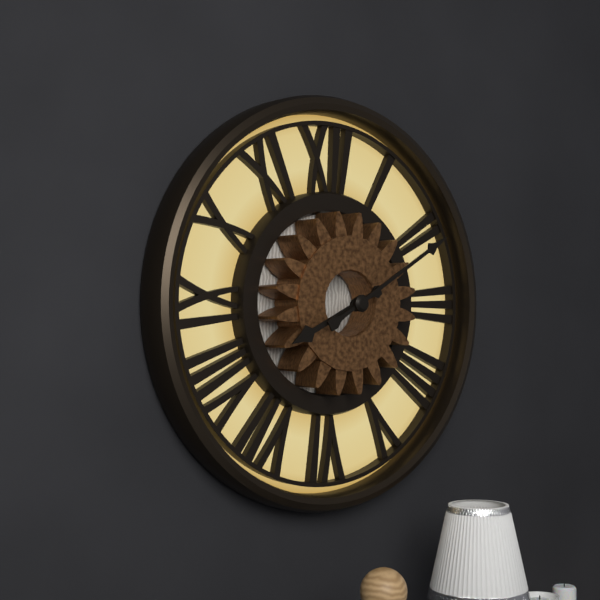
8:10
